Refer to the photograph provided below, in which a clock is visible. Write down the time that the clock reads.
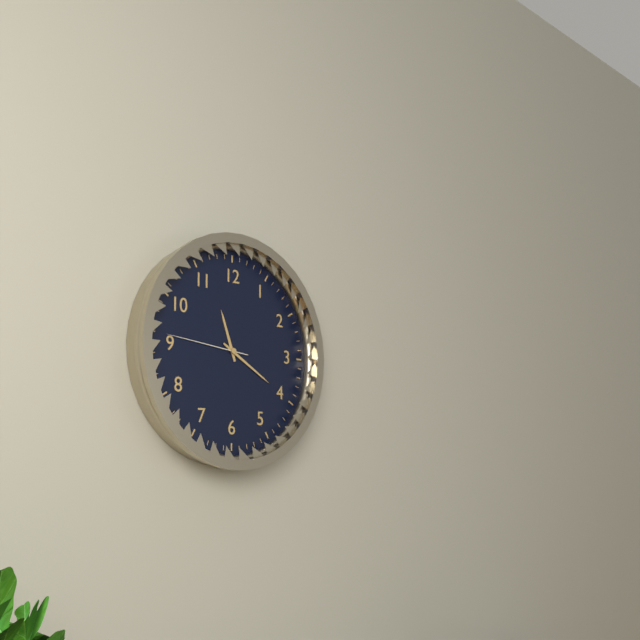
11:20:46
